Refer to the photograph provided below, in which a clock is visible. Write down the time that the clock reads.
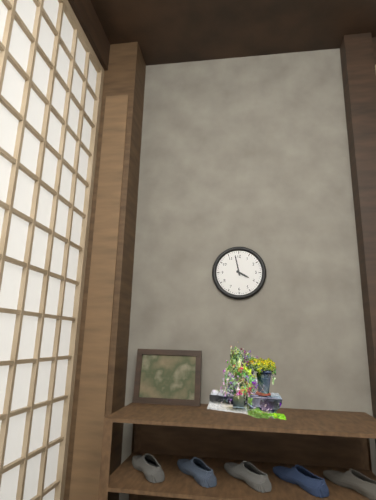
3:58
